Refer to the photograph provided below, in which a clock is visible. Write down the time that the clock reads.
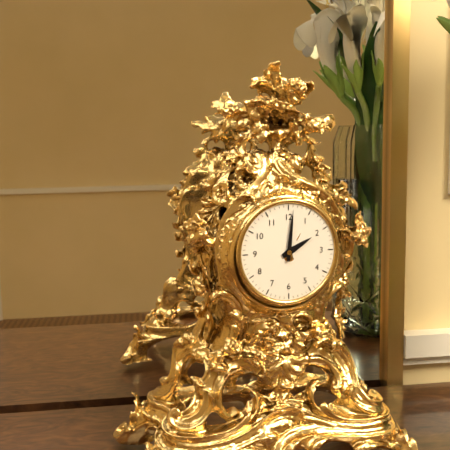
2:01
